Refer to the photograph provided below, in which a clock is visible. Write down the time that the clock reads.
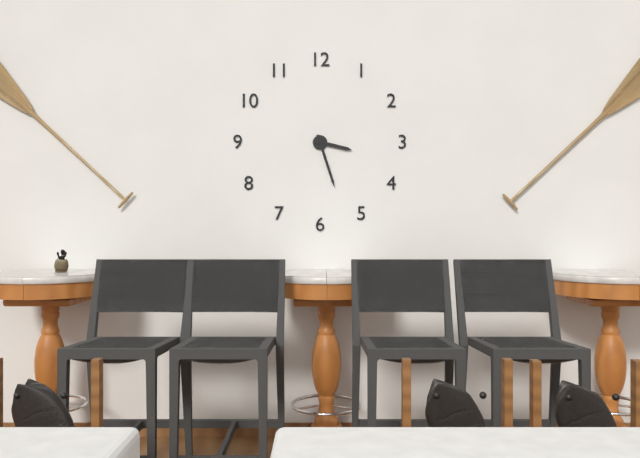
3:27
